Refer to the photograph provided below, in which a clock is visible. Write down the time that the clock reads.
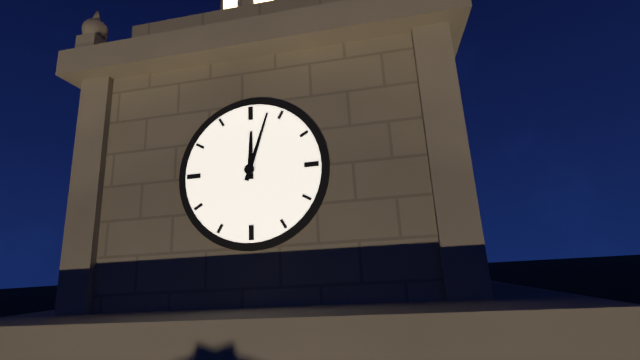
12:03
